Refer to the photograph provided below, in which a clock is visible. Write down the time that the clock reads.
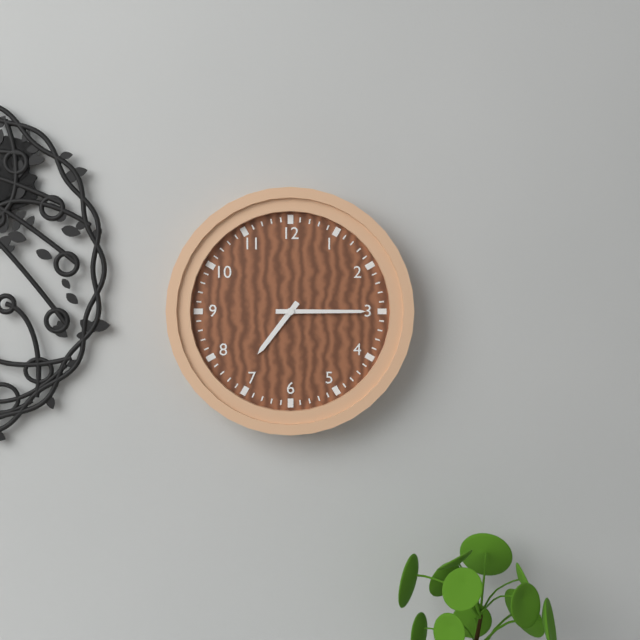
7:15
